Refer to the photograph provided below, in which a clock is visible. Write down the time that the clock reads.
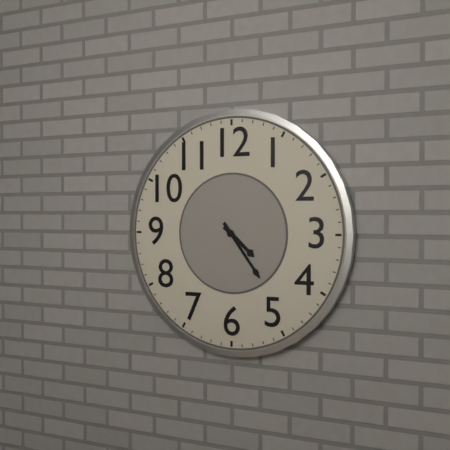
4:24
